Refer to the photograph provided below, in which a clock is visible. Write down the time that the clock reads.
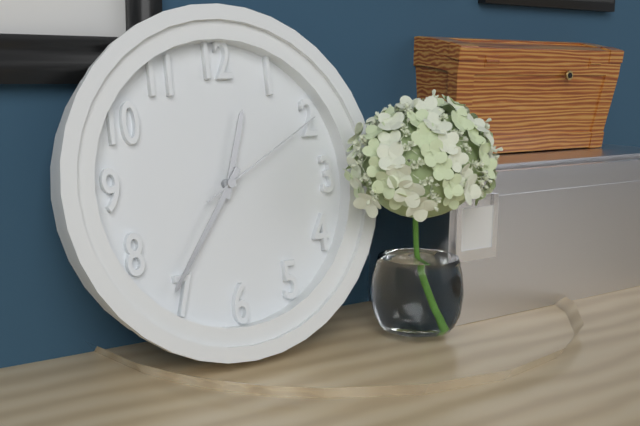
12:36:10
